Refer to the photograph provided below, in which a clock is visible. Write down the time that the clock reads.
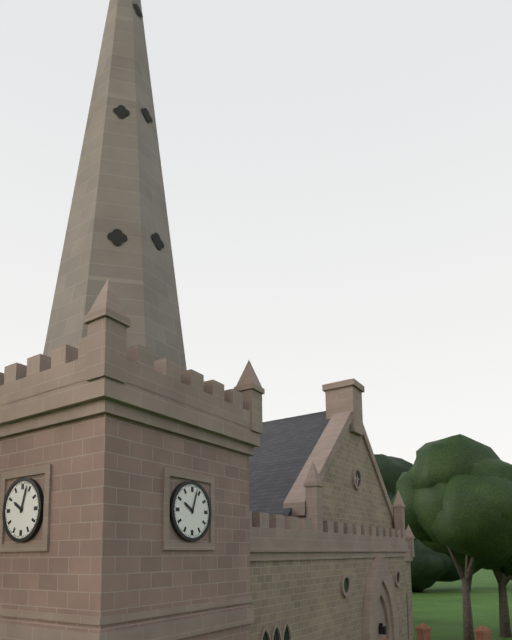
10:03
